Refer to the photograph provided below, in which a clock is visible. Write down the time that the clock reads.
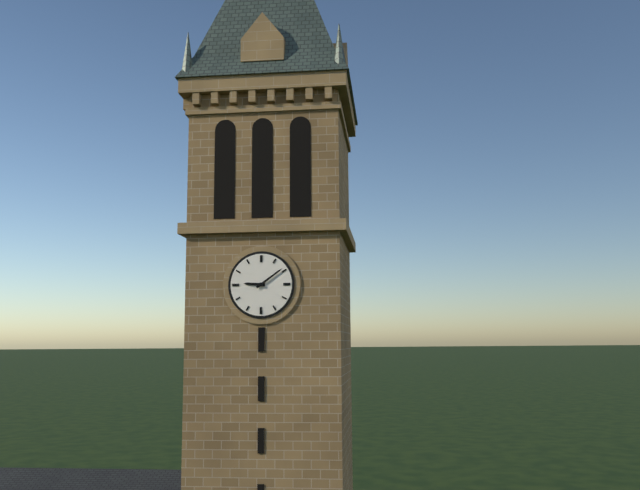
9:09
